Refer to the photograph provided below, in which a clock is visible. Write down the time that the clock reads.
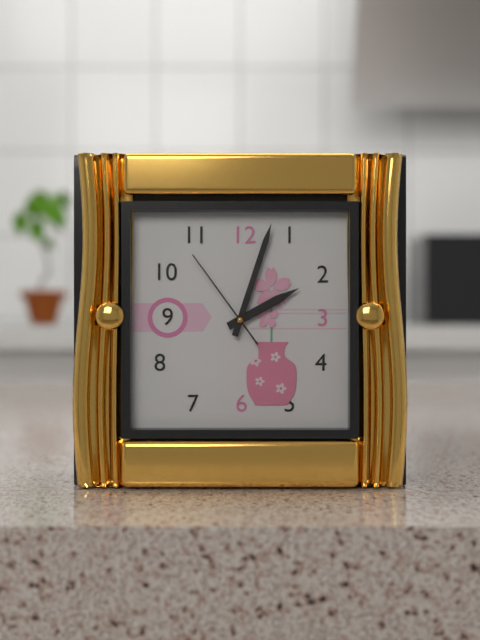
2:03:54
